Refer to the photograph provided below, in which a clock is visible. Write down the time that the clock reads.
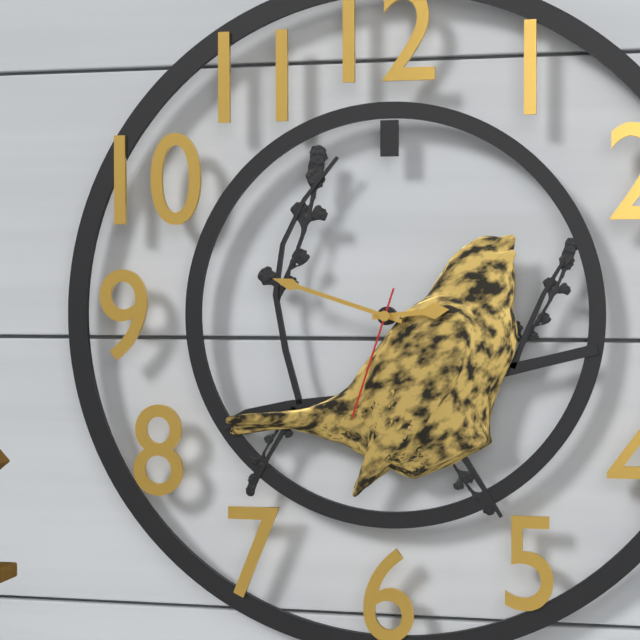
2:48:33
